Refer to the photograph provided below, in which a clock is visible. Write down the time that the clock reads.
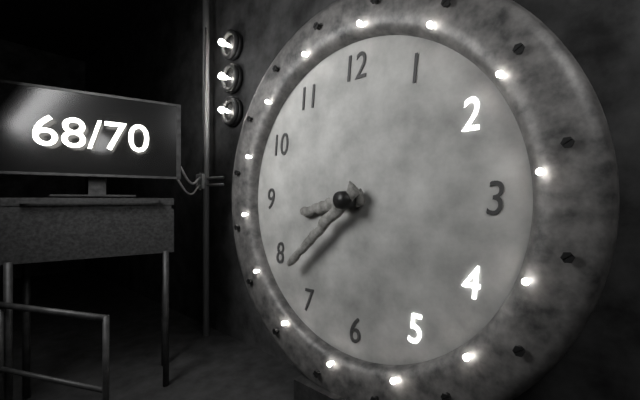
8:38
